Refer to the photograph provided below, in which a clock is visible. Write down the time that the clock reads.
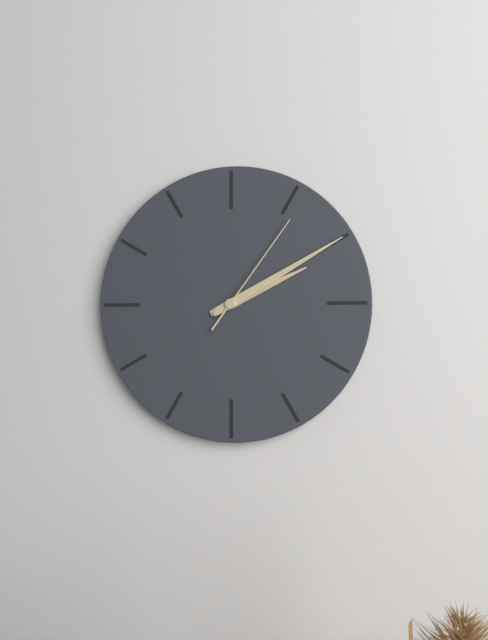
2:10:06
